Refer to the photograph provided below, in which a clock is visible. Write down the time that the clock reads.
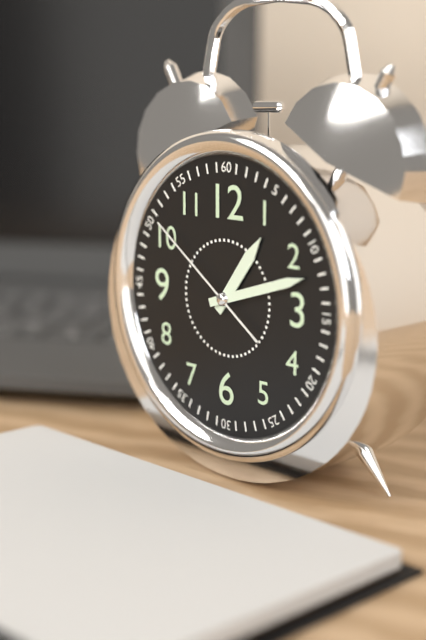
1:12:51
